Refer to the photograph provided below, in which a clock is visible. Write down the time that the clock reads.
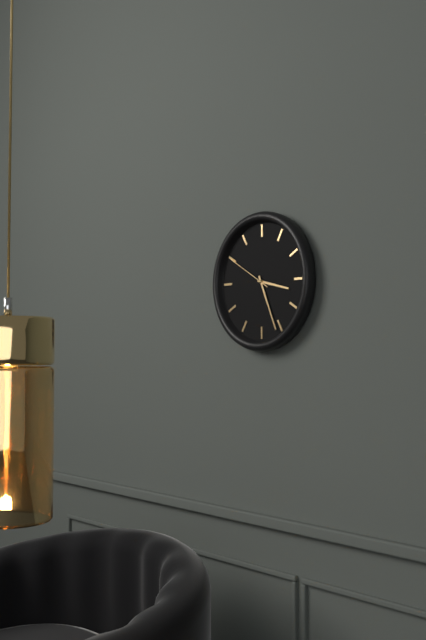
3:26
